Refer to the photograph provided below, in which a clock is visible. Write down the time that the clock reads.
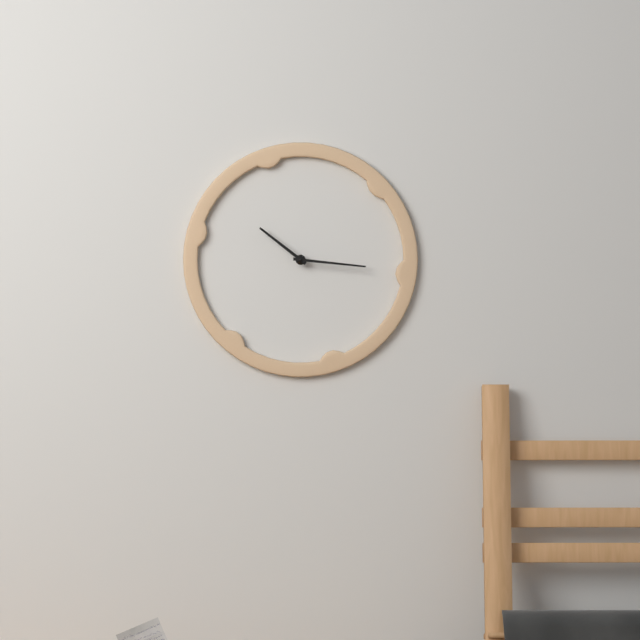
10:16
